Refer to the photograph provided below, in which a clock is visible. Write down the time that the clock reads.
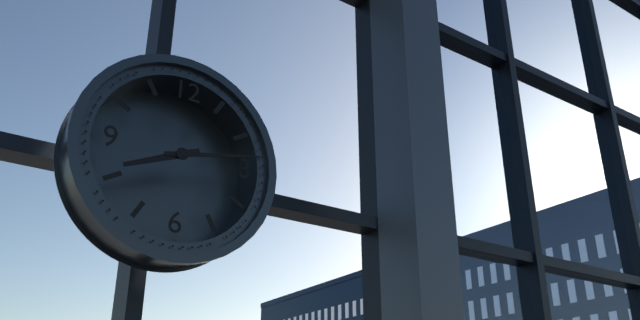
8:13
